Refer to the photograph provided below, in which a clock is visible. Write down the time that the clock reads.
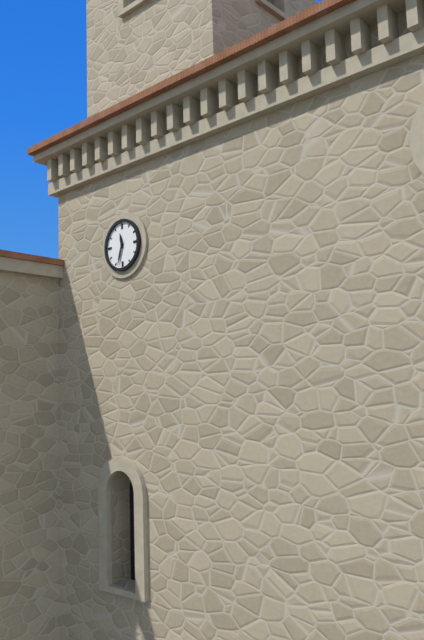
11:33
